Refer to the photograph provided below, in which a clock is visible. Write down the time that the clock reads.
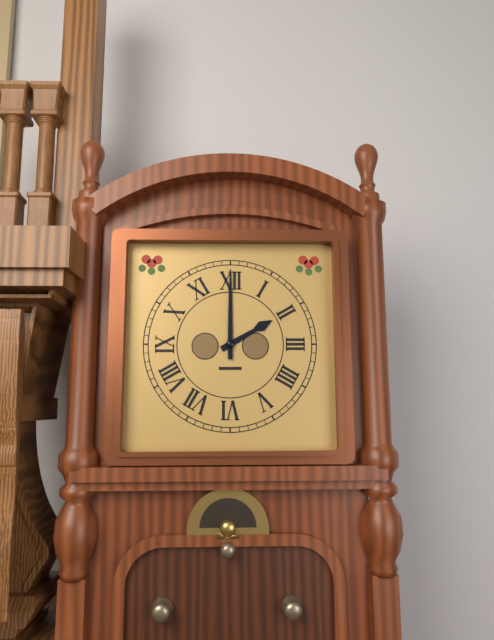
2:00
